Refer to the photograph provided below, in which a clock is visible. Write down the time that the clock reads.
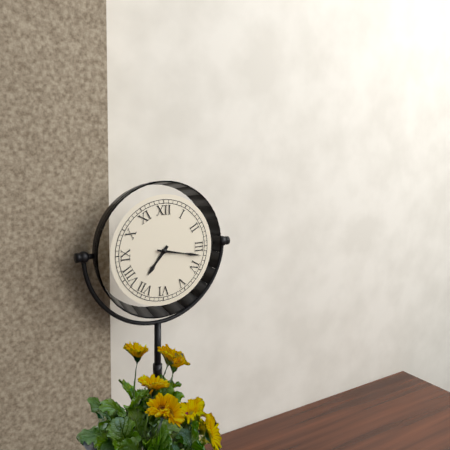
7:17
